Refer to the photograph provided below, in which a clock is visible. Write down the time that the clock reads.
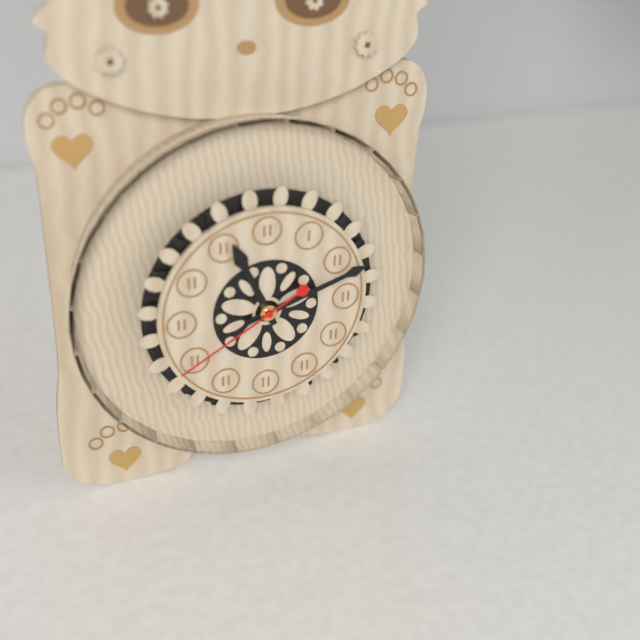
11:12:40
